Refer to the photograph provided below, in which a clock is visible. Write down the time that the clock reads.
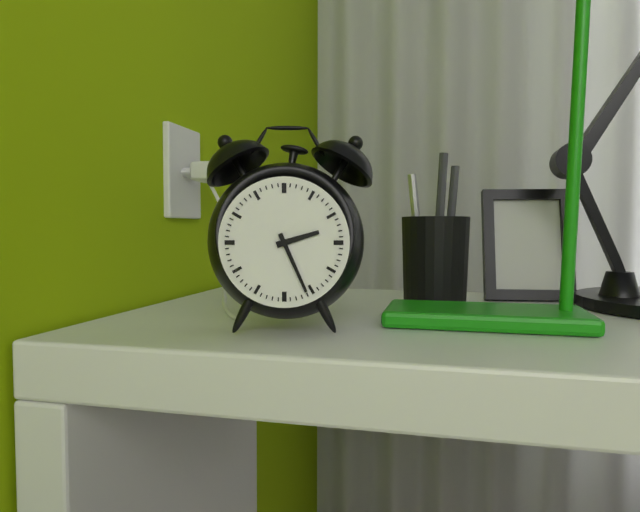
2:26
